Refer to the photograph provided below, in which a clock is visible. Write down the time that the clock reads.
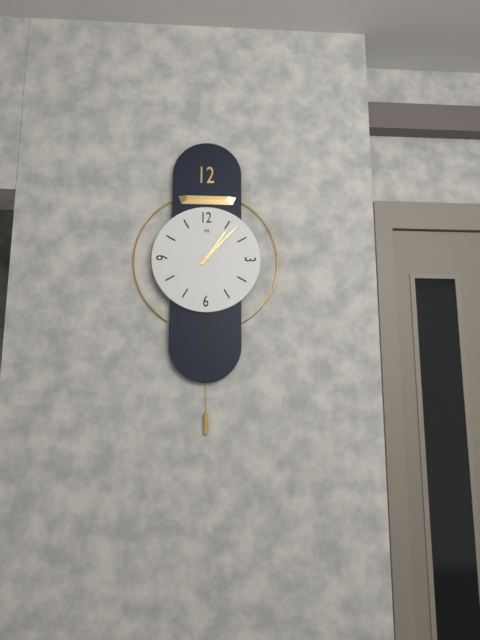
1:07
